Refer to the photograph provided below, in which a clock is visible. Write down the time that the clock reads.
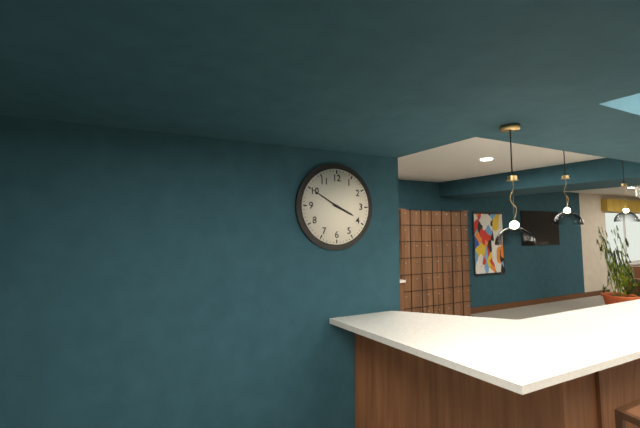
3:50
